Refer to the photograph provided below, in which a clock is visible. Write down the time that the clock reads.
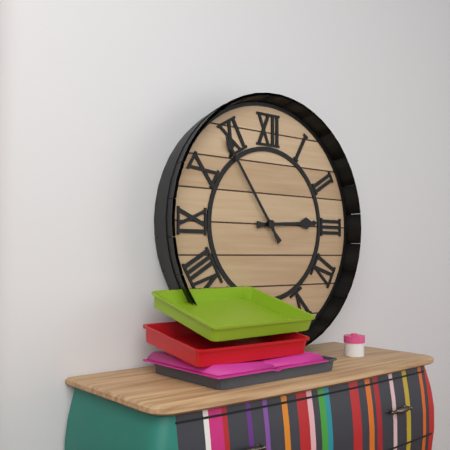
2:54
